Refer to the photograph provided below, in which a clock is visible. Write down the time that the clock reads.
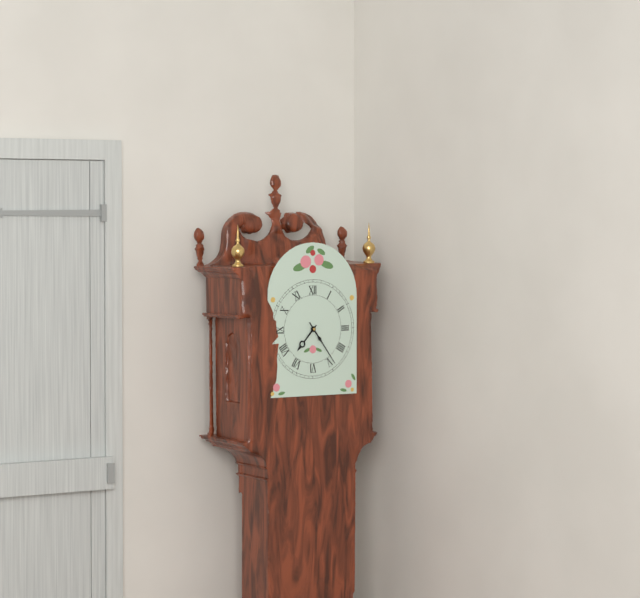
7:24
